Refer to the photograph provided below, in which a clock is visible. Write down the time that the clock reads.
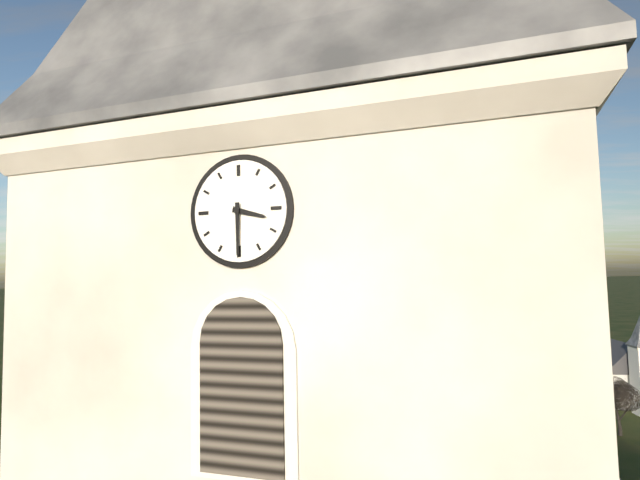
3:30
